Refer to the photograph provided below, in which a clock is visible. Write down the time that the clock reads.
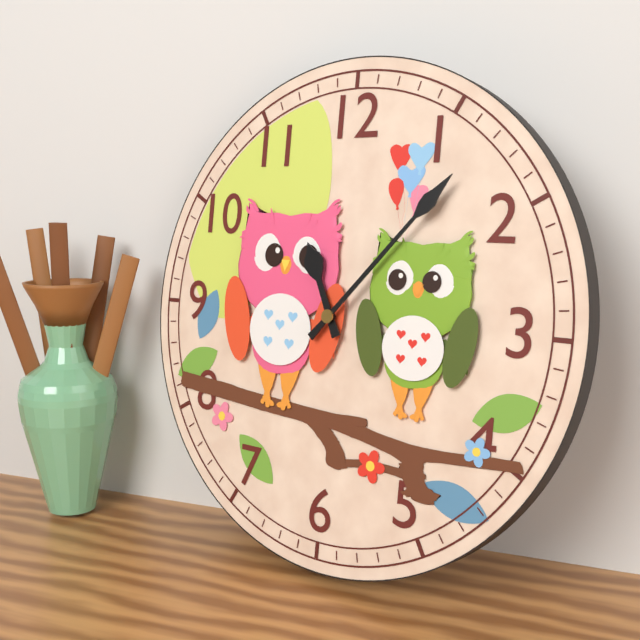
11:07
